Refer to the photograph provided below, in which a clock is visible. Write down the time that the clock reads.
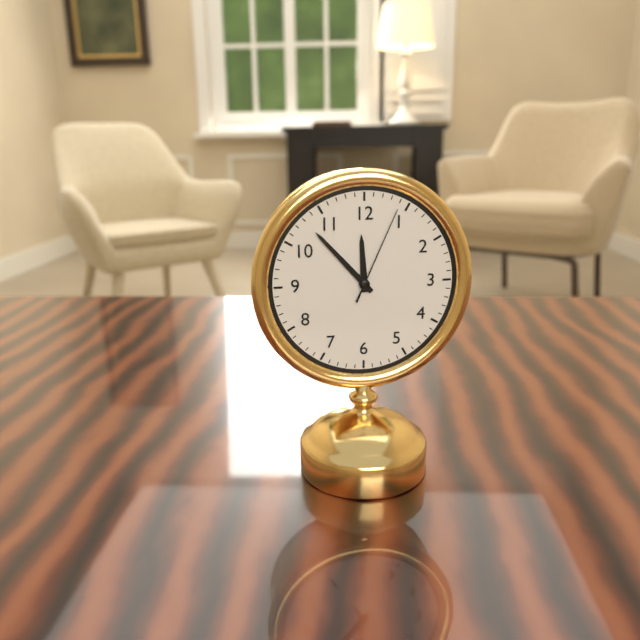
11:53:04
